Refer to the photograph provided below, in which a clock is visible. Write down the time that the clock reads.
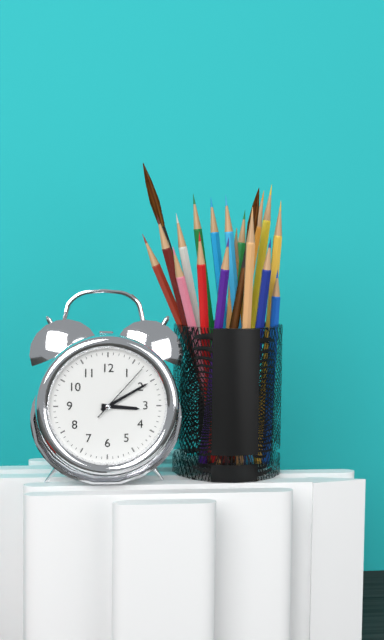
3:10:07
